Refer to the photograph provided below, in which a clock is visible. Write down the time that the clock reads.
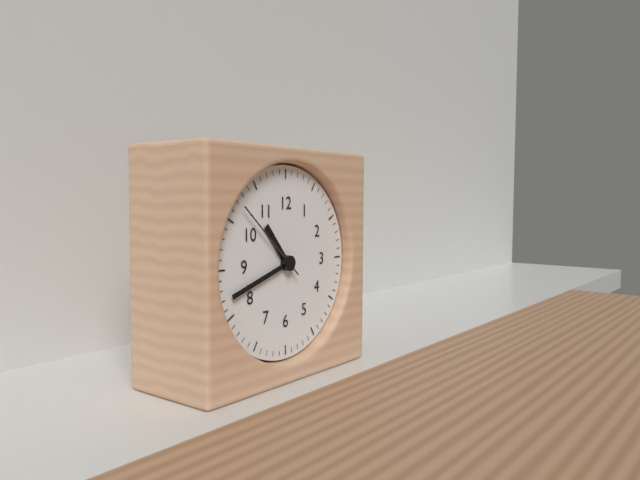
10:42:52
